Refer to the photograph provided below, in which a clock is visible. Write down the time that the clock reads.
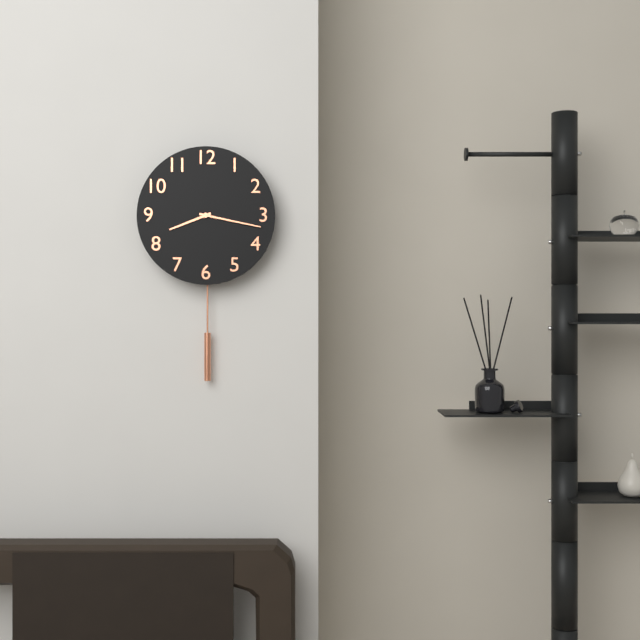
8:17
